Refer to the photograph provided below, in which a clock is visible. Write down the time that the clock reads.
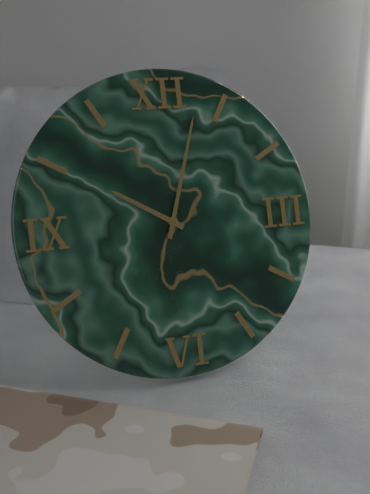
10:03
